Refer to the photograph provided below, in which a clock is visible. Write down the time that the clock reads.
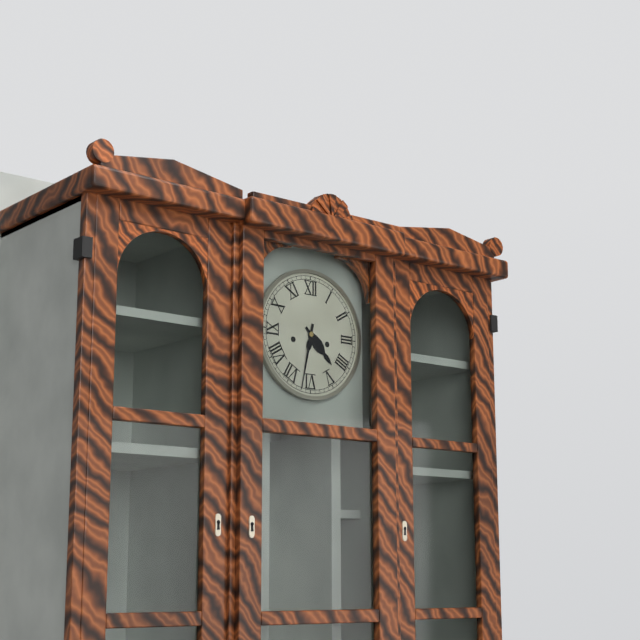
4:32
